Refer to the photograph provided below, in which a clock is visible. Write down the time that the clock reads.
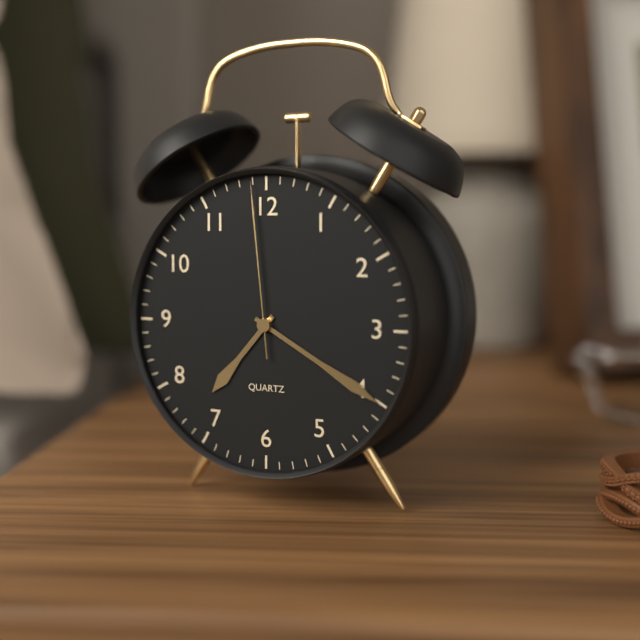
7:20:59
